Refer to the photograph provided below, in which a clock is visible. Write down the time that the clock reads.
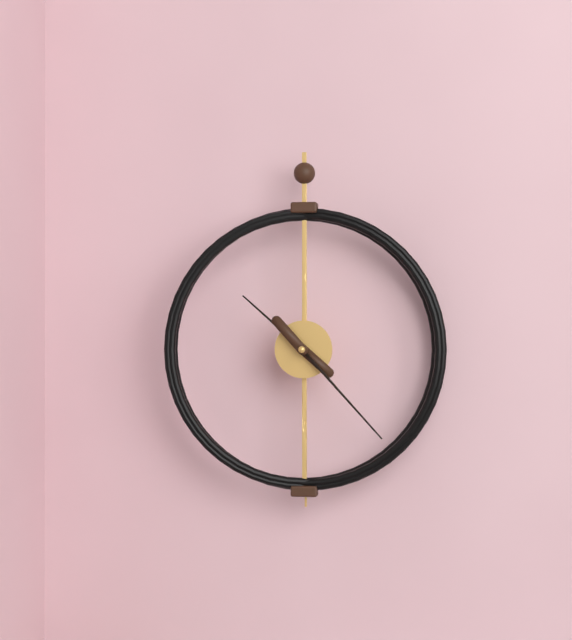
10:23
